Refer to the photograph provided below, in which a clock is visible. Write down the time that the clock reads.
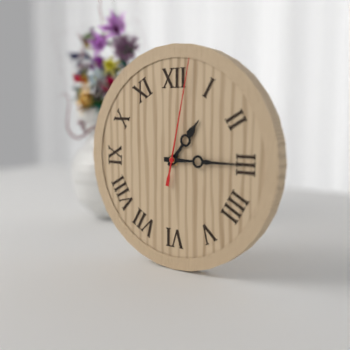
1:15:02
